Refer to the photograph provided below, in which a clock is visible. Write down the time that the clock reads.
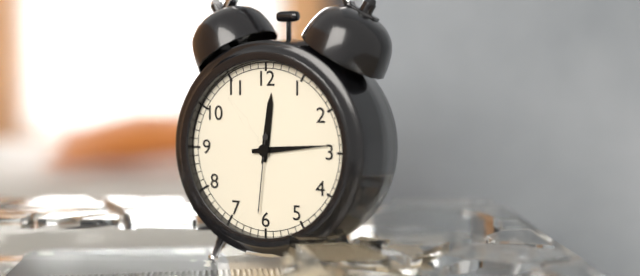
12:14:31
